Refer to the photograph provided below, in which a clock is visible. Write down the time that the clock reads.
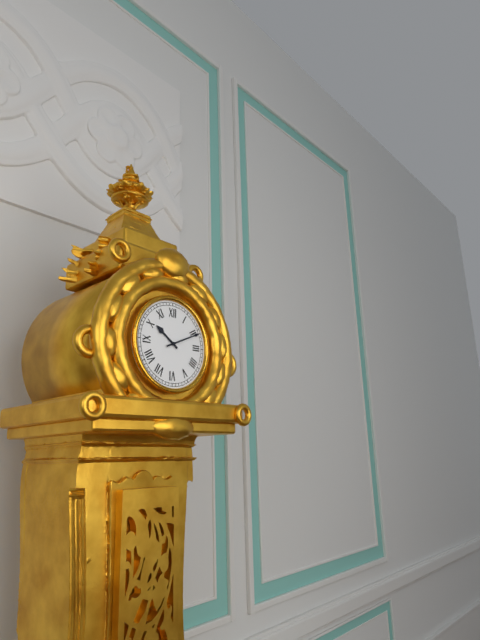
10:11
